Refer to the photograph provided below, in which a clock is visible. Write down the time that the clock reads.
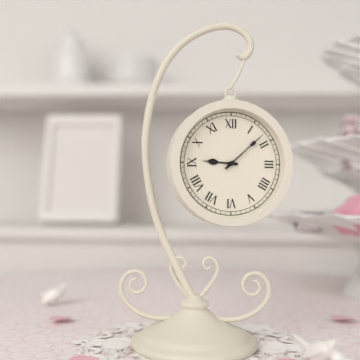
9:08
